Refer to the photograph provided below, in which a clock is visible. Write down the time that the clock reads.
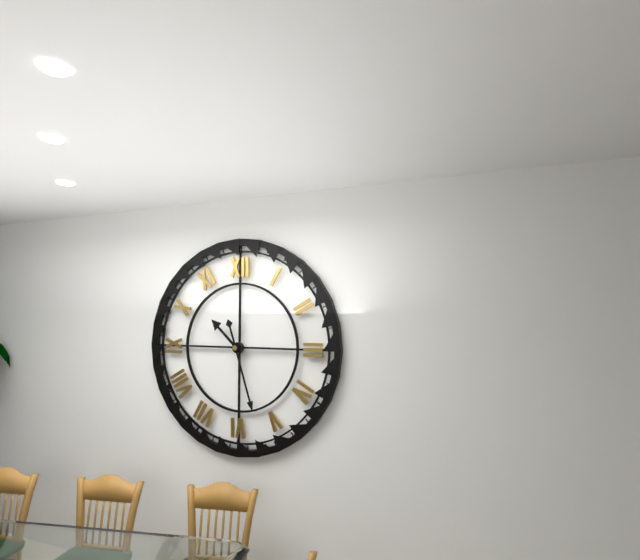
10:27
